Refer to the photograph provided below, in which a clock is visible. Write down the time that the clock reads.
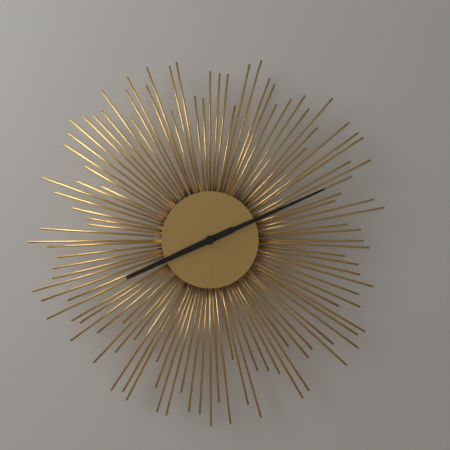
8:11
